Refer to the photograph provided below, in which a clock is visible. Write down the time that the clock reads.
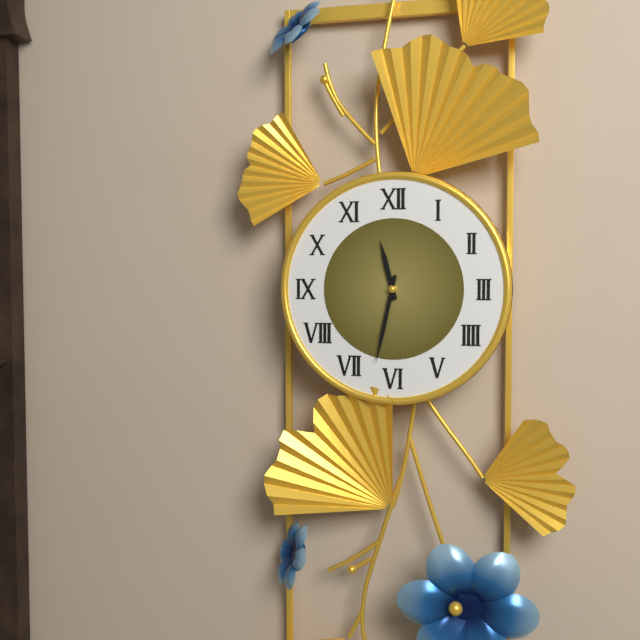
11:32
